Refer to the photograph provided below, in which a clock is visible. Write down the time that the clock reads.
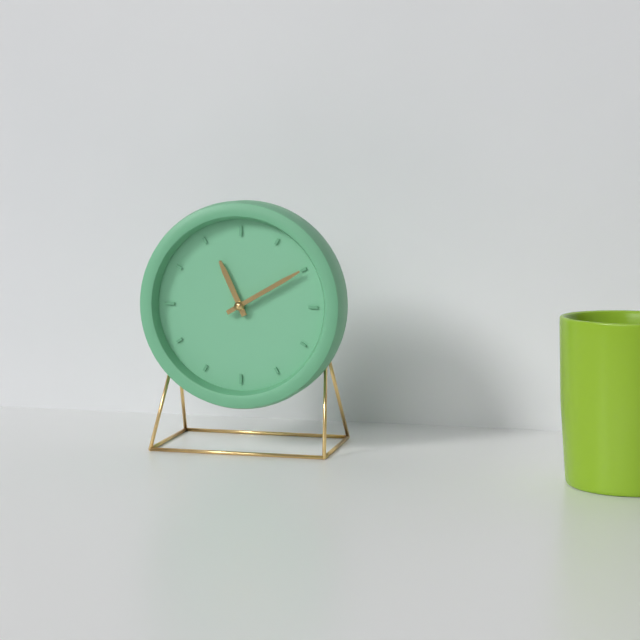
11:10
